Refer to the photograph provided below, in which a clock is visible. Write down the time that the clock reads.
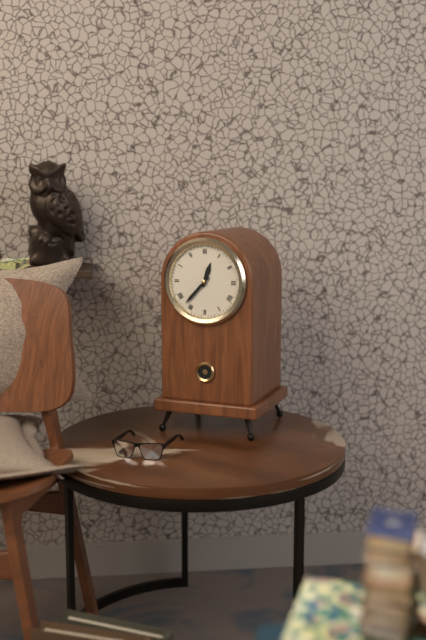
12:37
